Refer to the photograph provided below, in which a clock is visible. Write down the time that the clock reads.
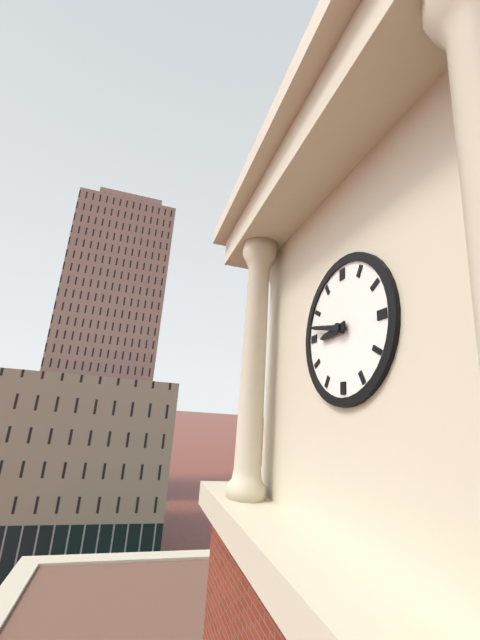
8:47
